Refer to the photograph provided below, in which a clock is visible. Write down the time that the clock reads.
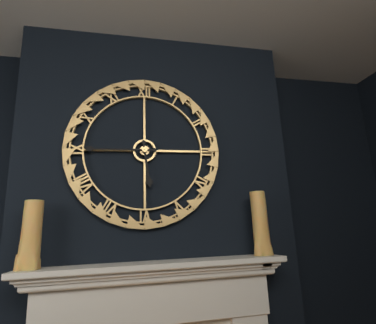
5:45
